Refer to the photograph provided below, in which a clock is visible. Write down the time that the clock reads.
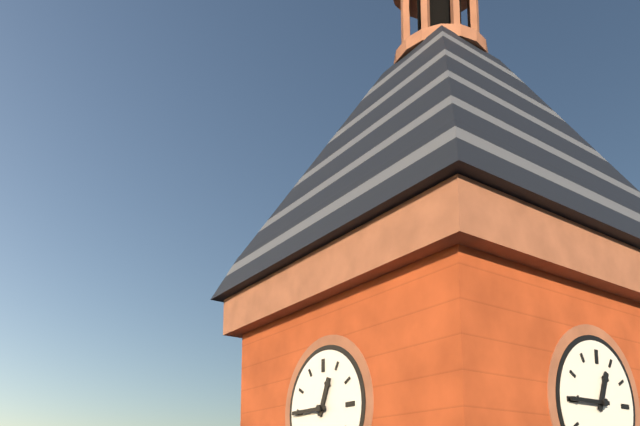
12:45
